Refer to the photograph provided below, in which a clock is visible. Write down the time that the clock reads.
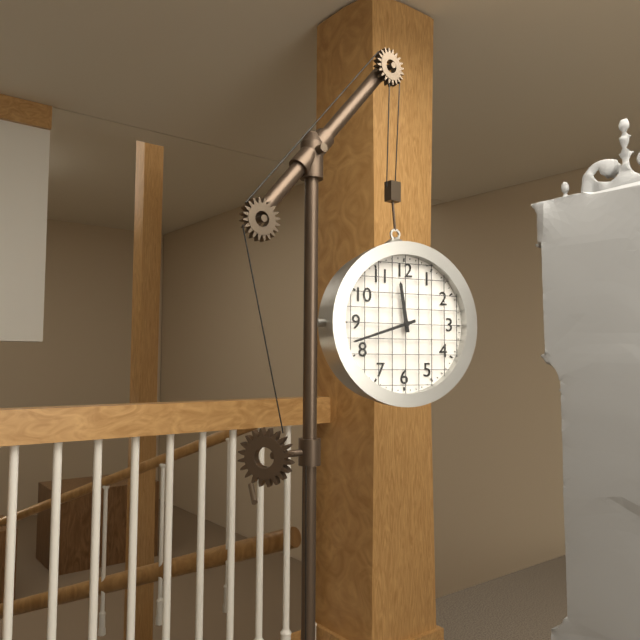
11:42
